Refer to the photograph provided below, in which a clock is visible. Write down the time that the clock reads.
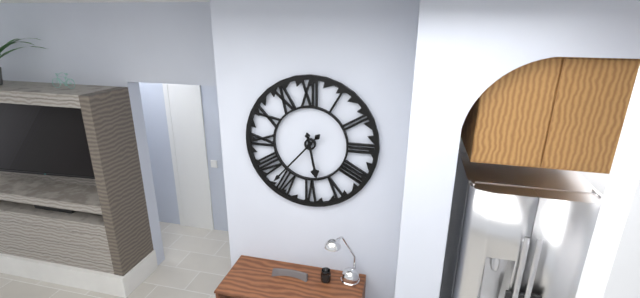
5:37
